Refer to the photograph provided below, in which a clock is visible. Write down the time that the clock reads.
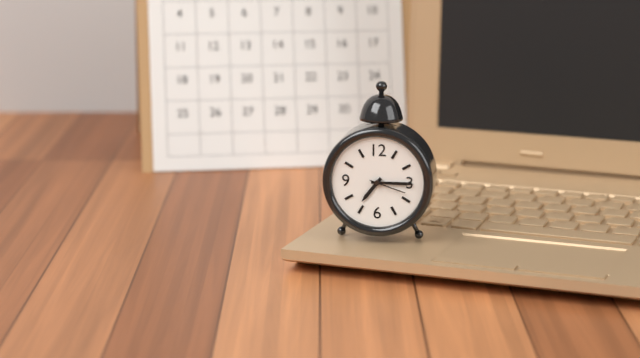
7:15
